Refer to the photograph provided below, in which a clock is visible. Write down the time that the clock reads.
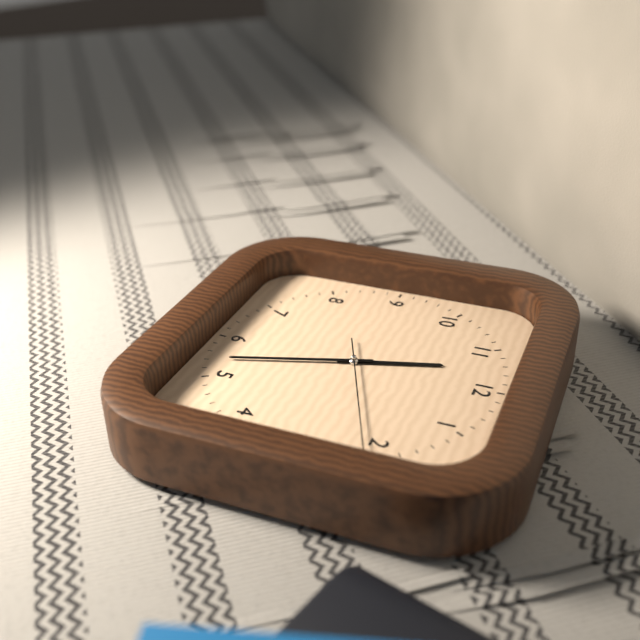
11:27:11
